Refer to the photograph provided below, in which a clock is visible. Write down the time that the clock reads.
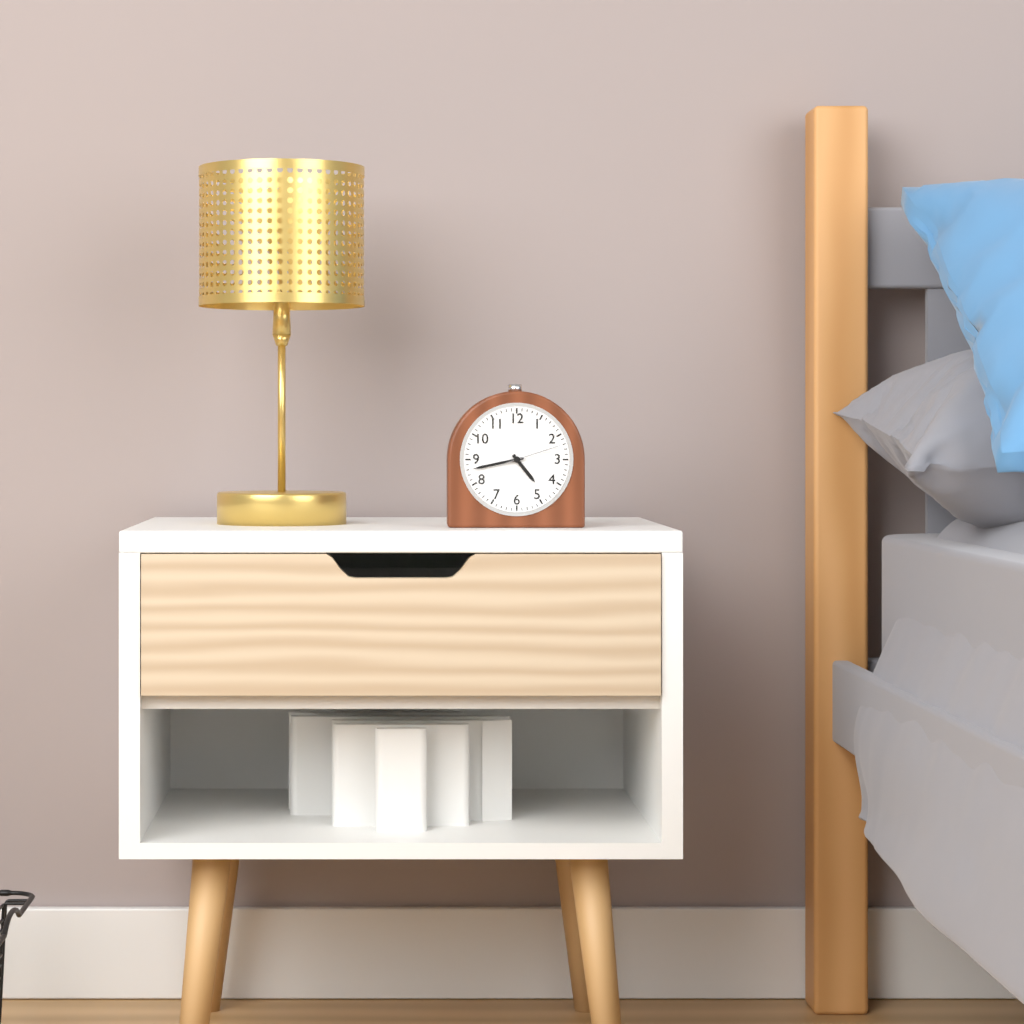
4:43:12
